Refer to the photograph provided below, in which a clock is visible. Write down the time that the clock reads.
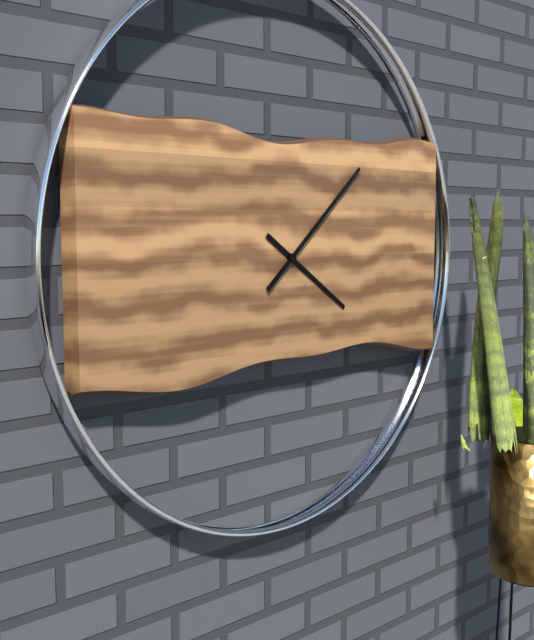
4:08
